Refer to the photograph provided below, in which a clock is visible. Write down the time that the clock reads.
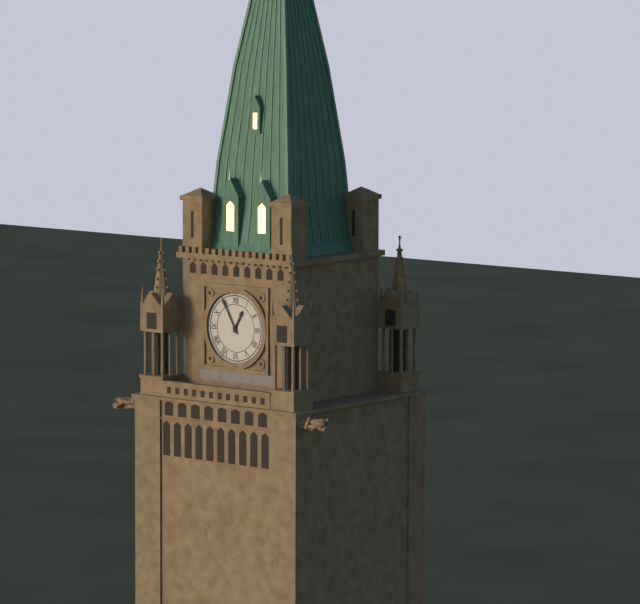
12:55
